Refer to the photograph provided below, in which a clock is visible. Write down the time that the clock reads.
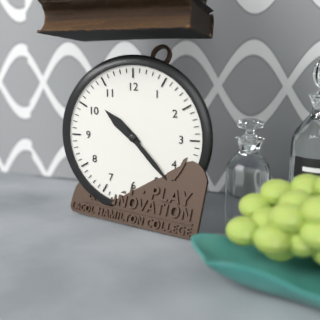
10:23
